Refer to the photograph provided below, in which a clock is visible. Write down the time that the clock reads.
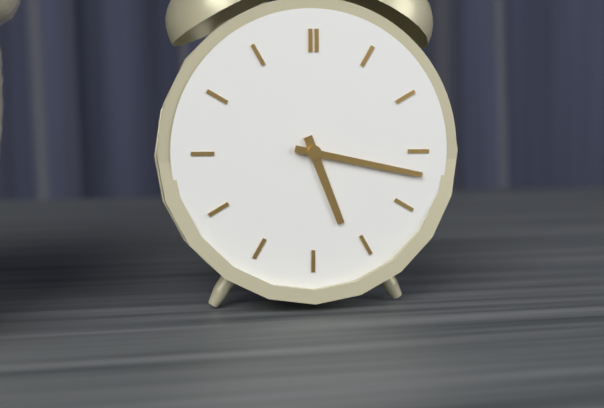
5:17
